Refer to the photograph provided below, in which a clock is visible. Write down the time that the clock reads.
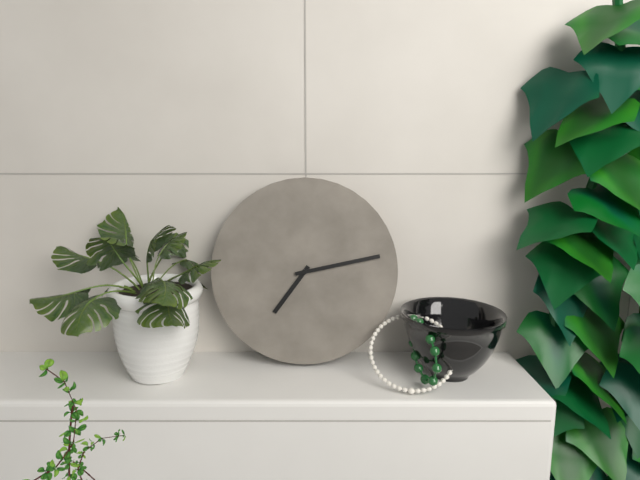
7:13
